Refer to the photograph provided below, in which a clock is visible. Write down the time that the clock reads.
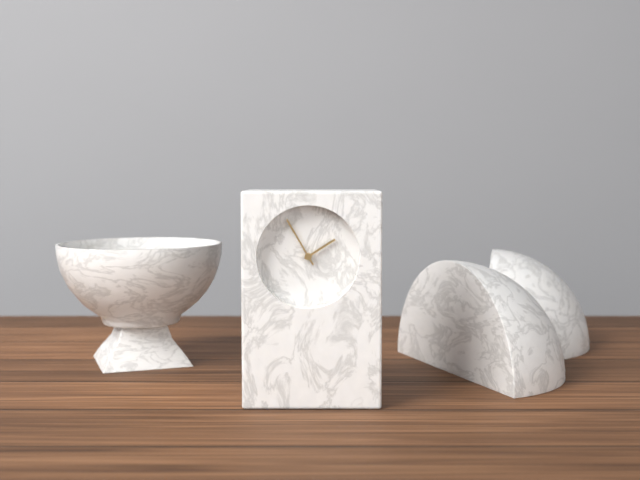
1:55
